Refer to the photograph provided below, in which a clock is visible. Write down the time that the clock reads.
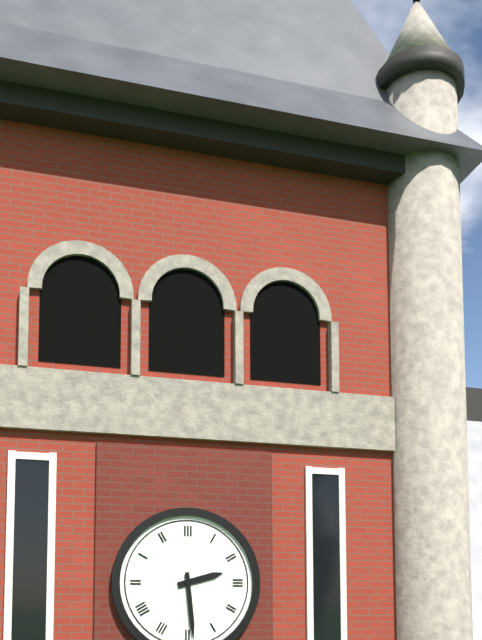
2:29
